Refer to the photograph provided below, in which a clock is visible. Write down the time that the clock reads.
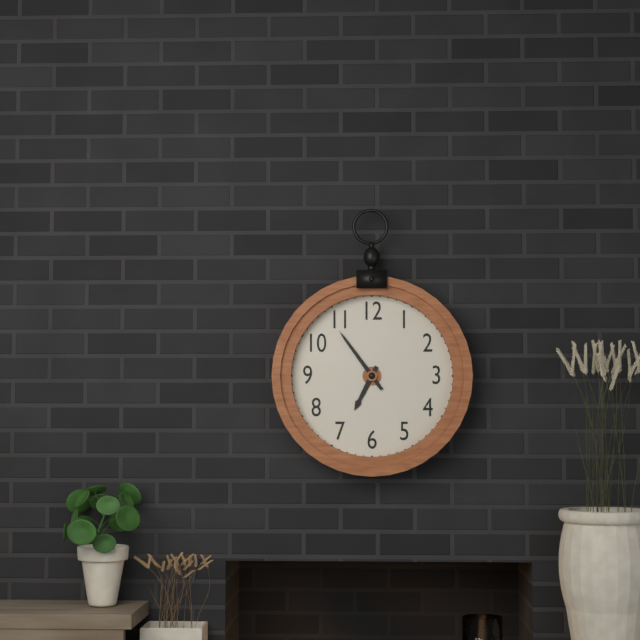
6:54
